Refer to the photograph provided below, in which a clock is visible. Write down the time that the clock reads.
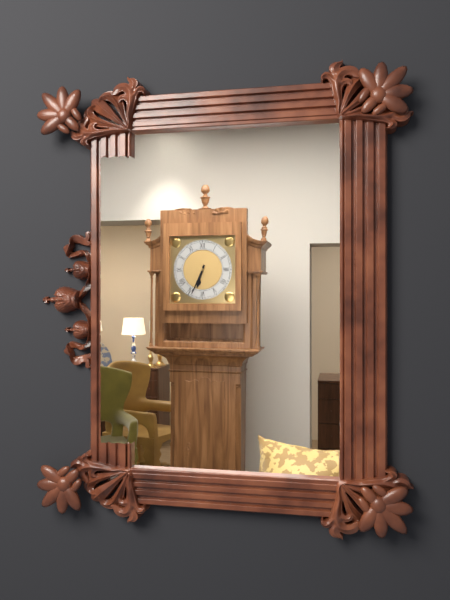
6:34
